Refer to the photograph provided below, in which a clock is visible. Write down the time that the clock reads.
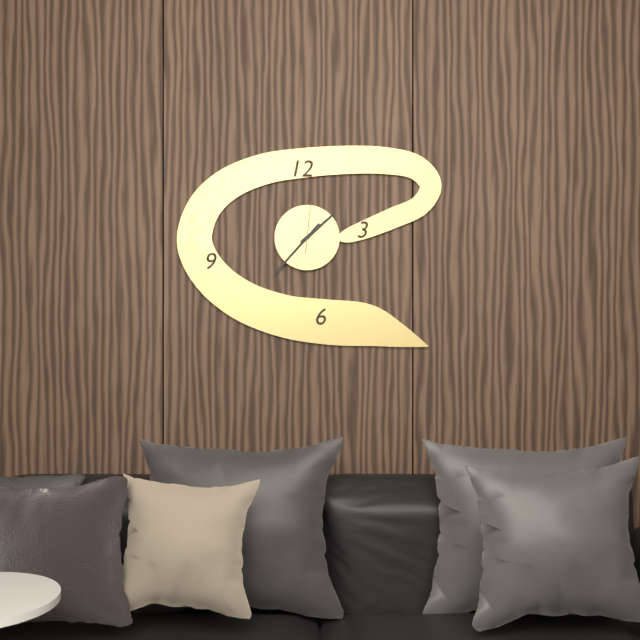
1:37
